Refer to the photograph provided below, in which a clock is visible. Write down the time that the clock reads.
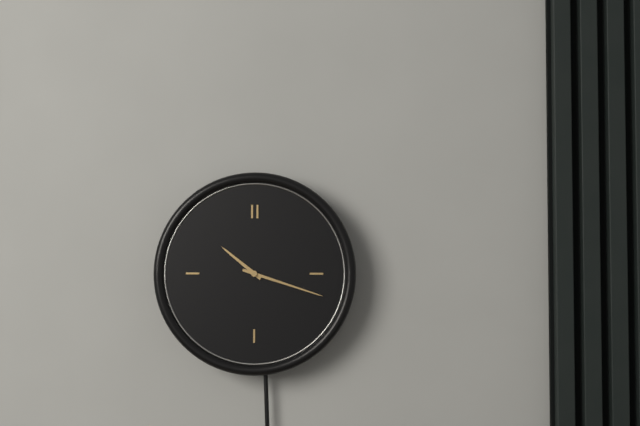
10:18
